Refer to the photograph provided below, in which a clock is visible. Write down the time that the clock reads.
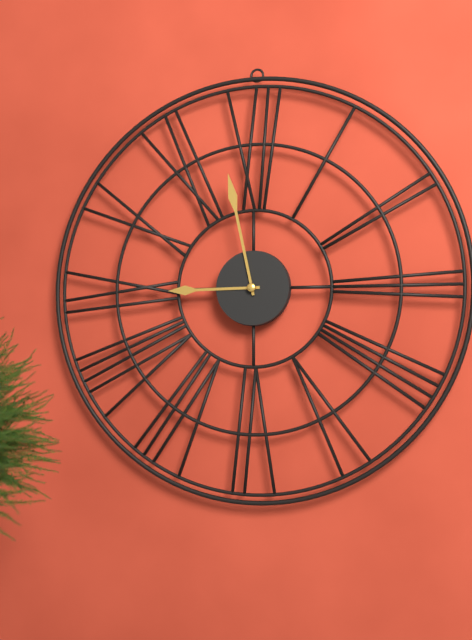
8:58
